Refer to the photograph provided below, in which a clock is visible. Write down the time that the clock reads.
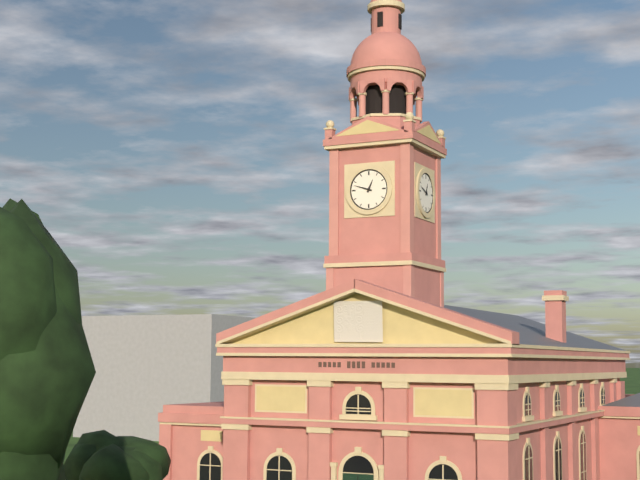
12:48
